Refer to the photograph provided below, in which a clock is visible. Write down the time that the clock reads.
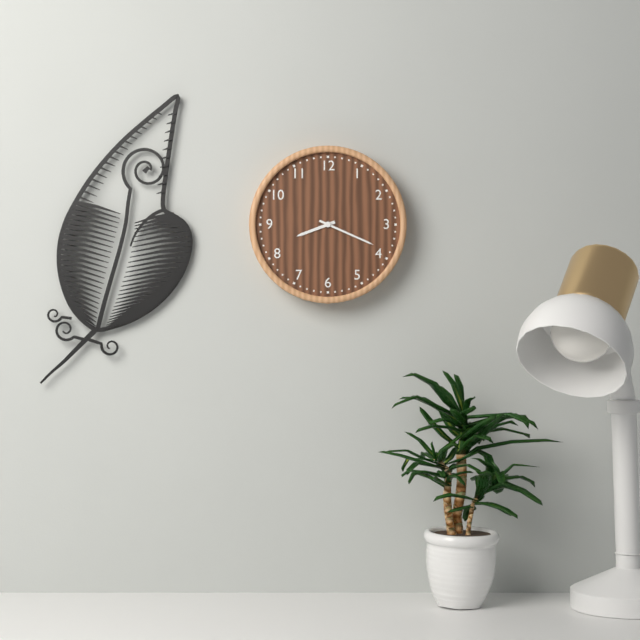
8:19
